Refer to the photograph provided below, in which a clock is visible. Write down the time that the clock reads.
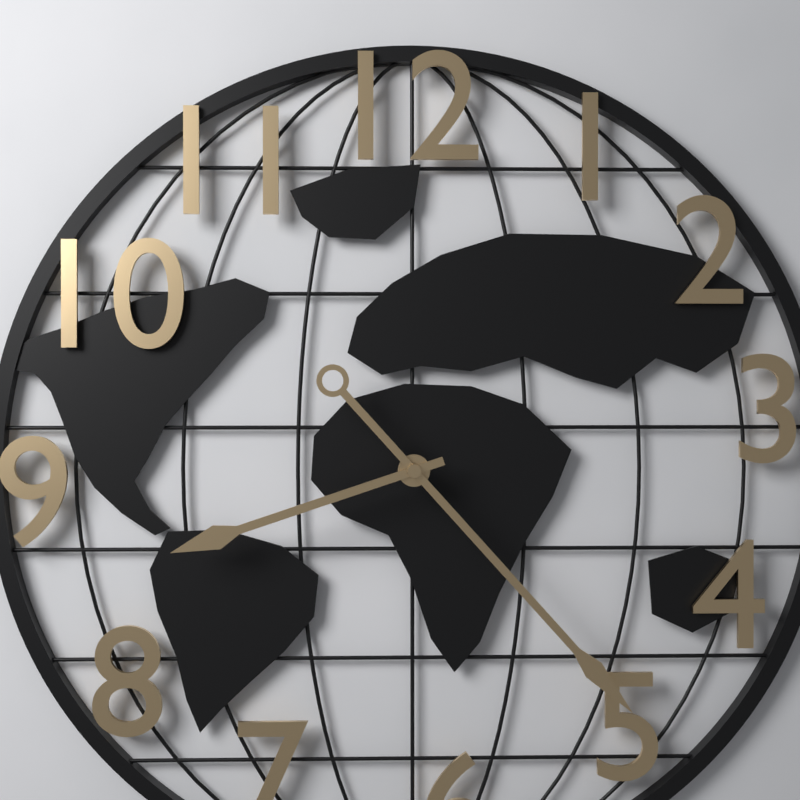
8:23
